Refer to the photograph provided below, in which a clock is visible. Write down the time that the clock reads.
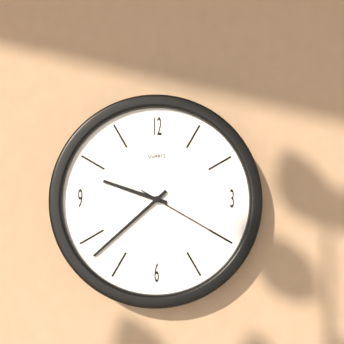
9:38:20
